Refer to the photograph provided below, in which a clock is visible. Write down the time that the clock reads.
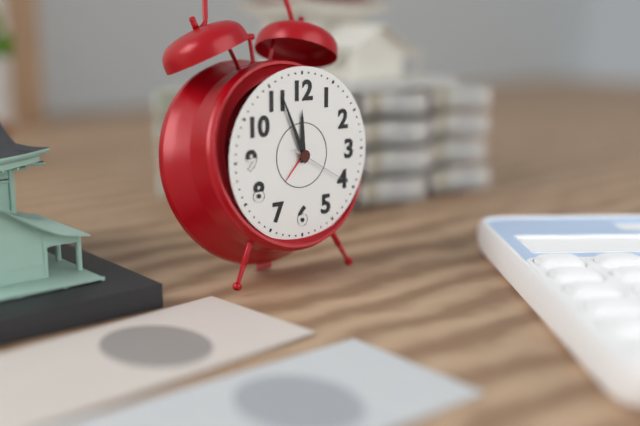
11:56:20
